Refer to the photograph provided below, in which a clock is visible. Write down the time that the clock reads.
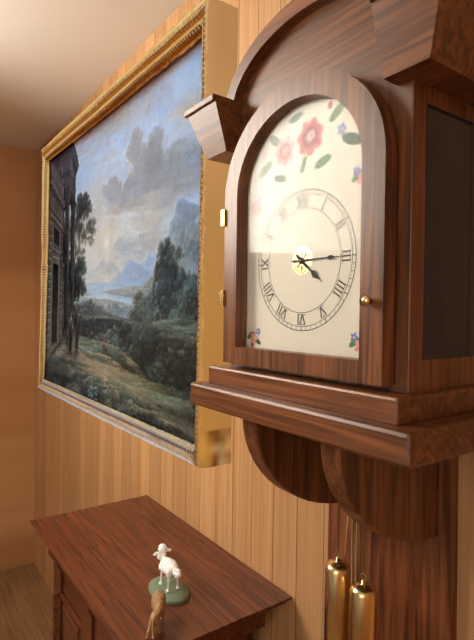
4:15
